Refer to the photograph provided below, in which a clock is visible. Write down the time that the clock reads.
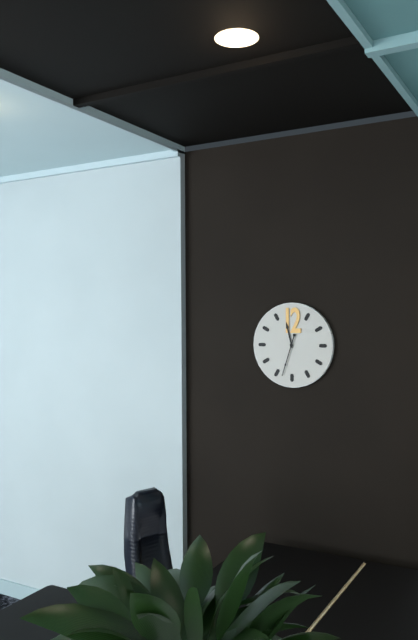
11:33
